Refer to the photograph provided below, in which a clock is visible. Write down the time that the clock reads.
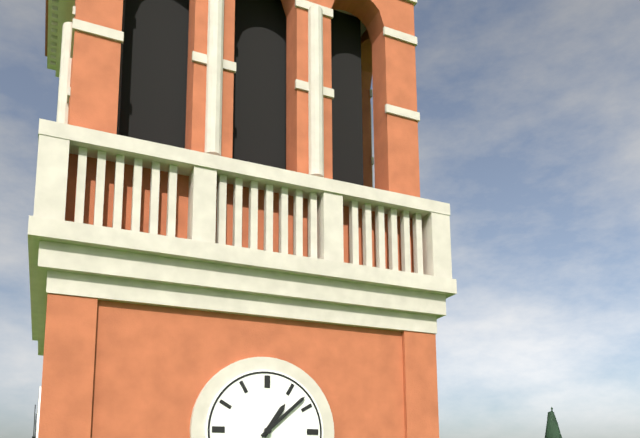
1:08
